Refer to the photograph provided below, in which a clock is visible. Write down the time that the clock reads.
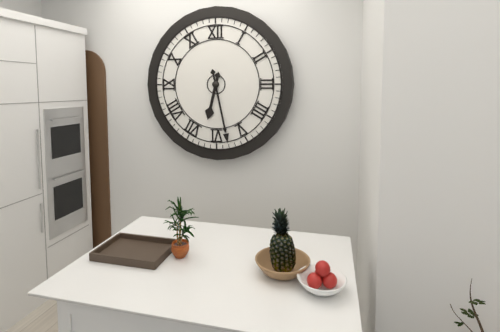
6:28
